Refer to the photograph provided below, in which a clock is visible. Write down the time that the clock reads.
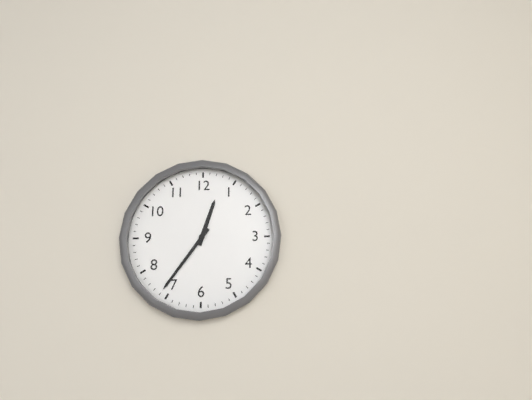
12:36
